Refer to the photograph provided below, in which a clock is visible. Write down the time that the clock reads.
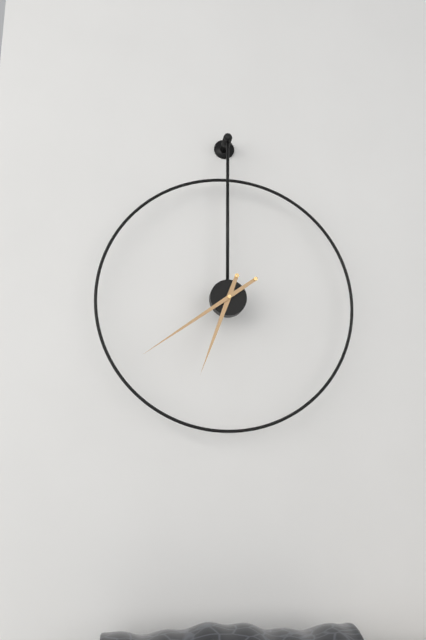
6:39
